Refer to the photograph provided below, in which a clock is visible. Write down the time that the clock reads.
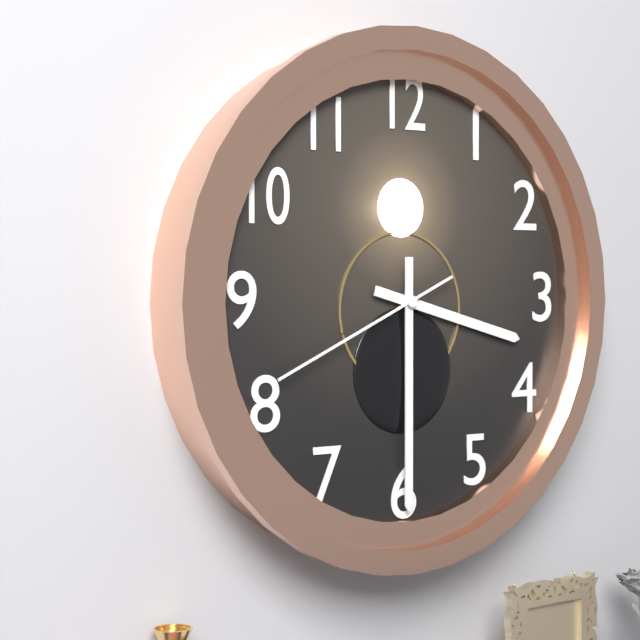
3:30:41
